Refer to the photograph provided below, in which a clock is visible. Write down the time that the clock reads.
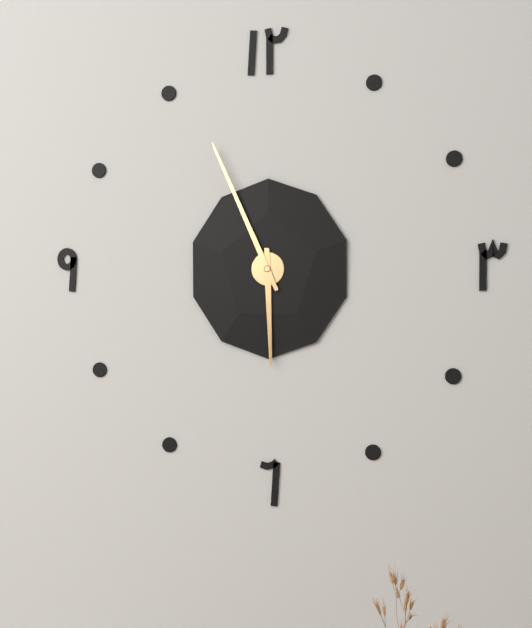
5:56
